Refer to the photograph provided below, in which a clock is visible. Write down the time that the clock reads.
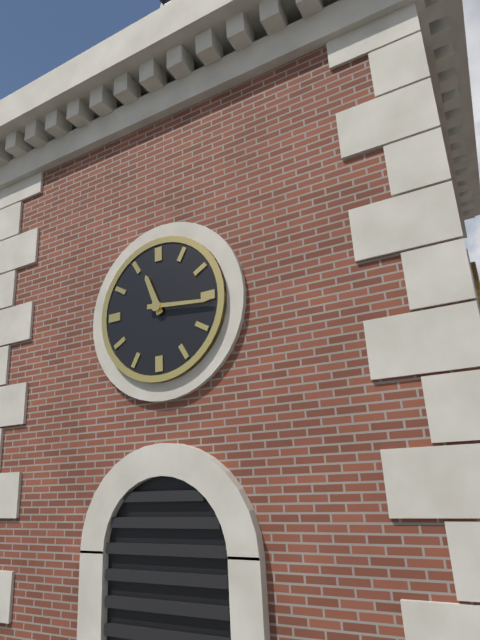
11:16
